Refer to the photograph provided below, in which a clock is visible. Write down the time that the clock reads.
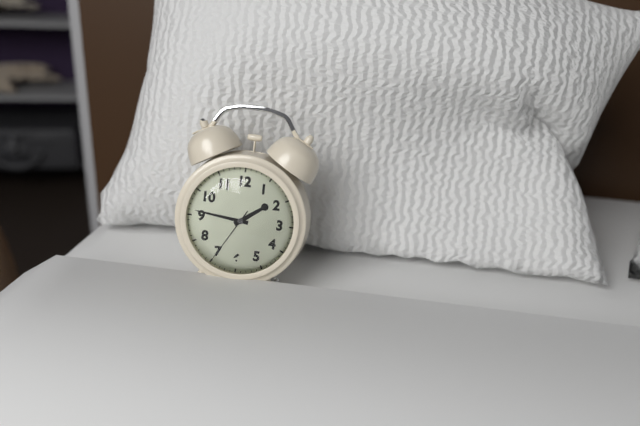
1:46:35
